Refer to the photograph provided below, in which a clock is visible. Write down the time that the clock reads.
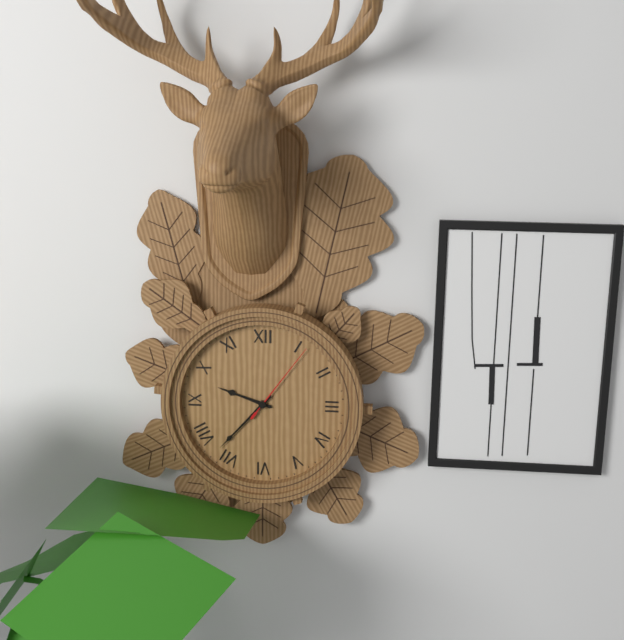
9:37:06
